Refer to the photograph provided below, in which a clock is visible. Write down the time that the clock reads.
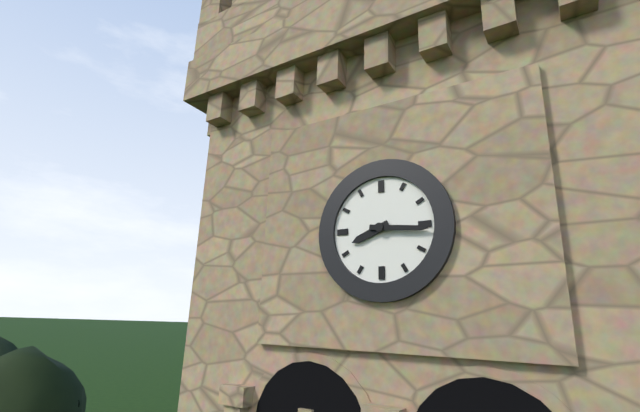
8:16
